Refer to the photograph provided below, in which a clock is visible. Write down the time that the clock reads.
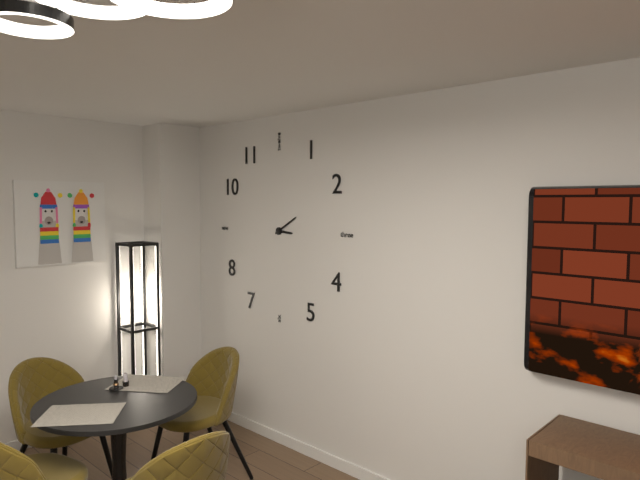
3:10
